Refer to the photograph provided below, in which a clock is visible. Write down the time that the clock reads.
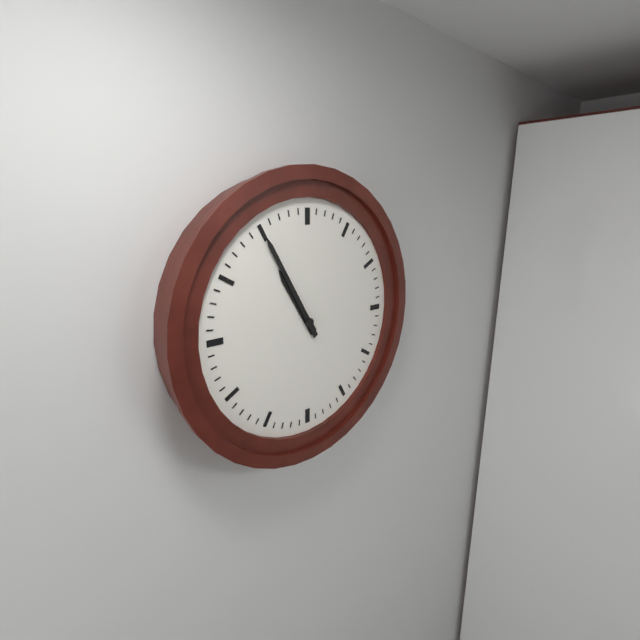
10:55
